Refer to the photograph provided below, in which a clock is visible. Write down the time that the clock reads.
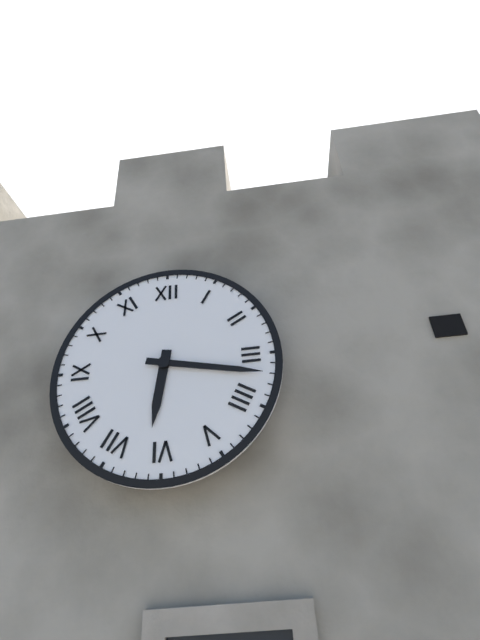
6:17
